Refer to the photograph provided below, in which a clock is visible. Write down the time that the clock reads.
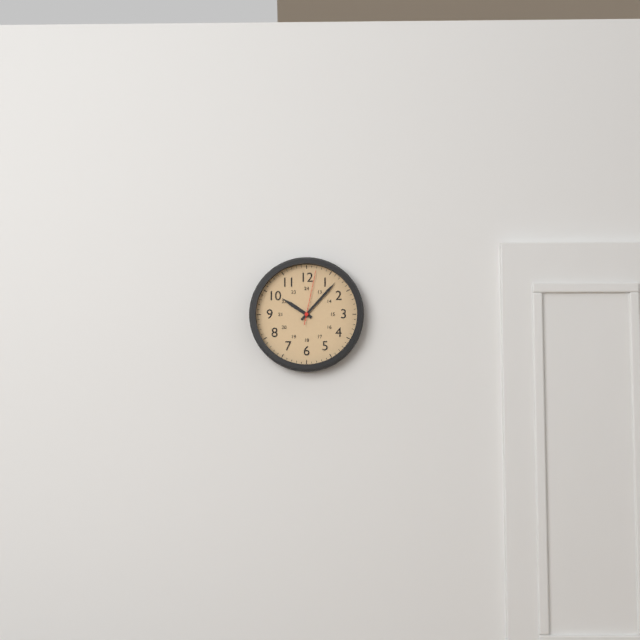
10:07:02
